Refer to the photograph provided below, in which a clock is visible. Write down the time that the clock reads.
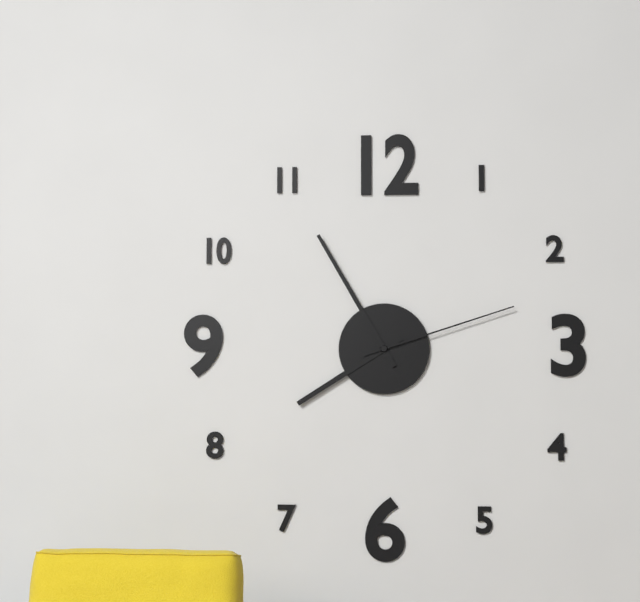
7:55:12
